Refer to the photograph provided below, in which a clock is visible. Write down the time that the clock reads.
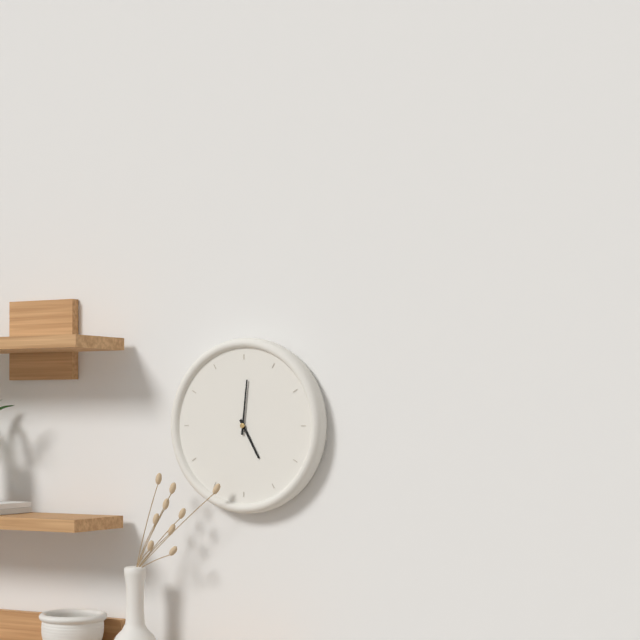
5:01
